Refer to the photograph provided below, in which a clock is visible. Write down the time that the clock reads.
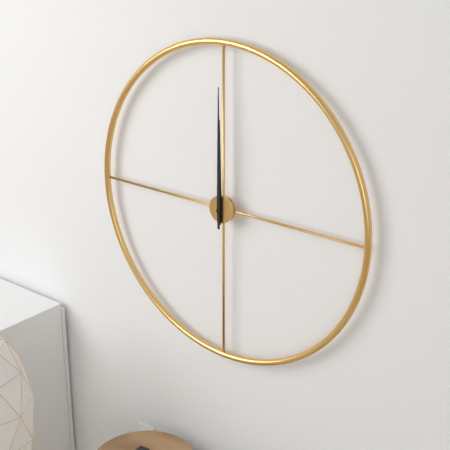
12:00
